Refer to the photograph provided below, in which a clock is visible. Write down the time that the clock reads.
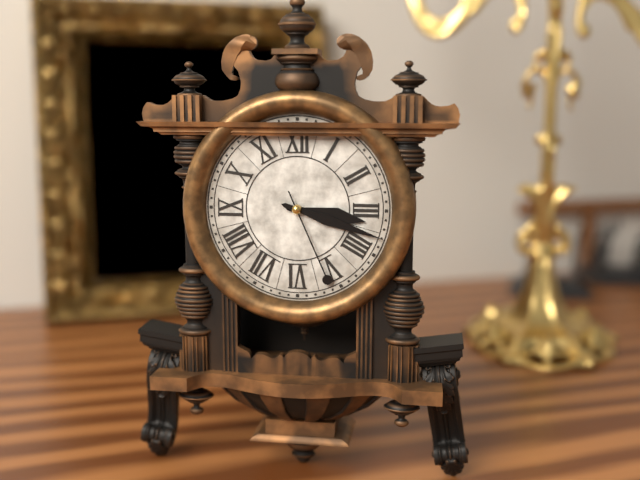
3:18:26
